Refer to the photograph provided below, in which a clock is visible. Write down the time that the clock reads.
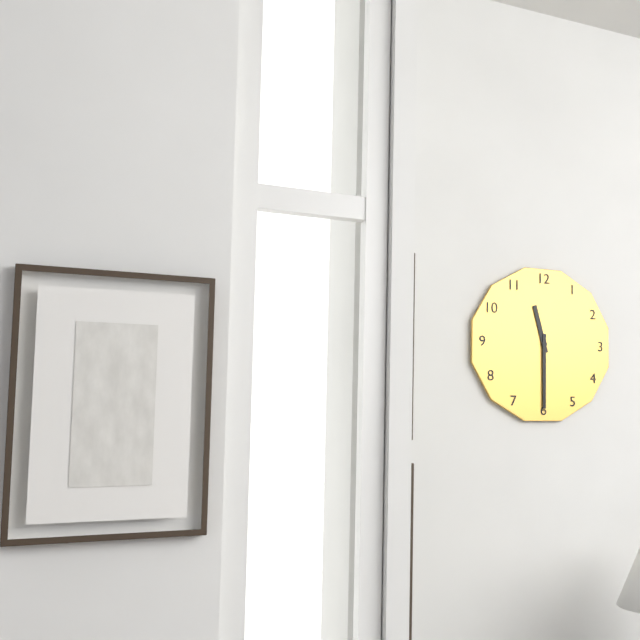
11:30
